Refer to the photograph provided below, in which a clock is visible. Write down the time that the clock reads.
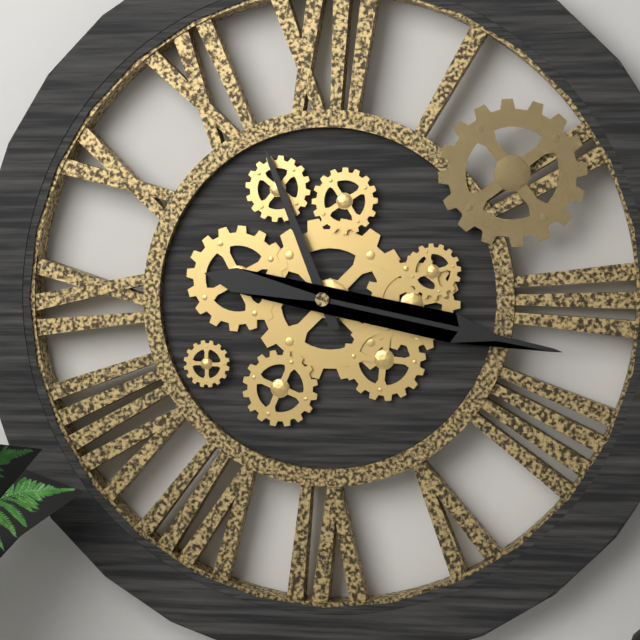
11:17
